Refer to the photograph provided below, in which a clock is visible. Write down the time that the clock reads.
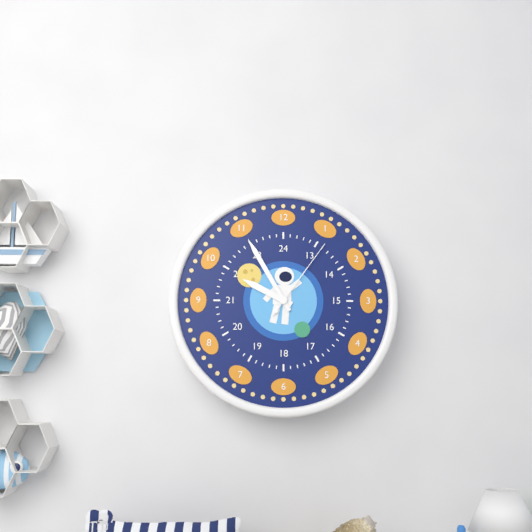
9:55:06
